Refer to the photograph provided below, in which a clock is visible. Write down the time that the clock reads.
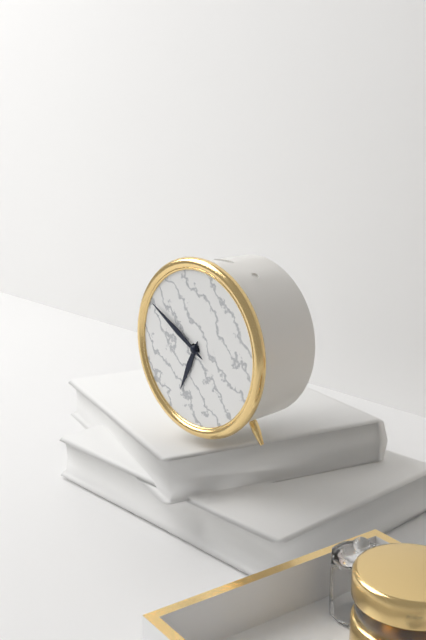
6:50
